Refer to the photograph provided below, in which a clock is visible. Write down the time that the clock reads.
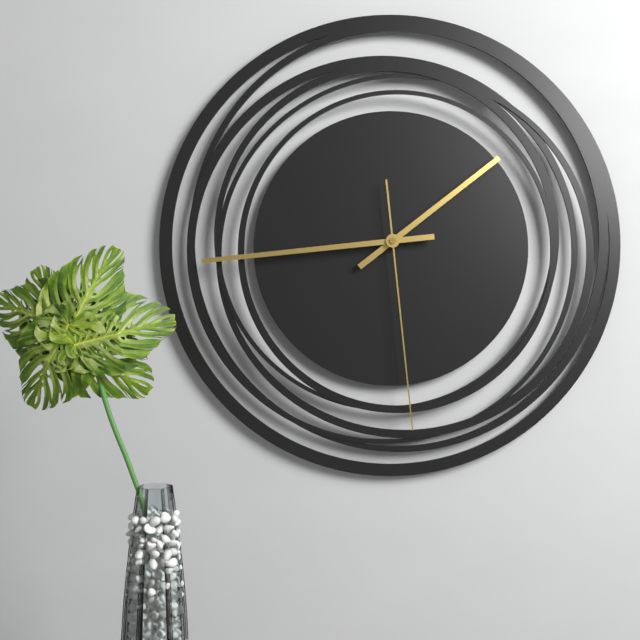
1:44:29
